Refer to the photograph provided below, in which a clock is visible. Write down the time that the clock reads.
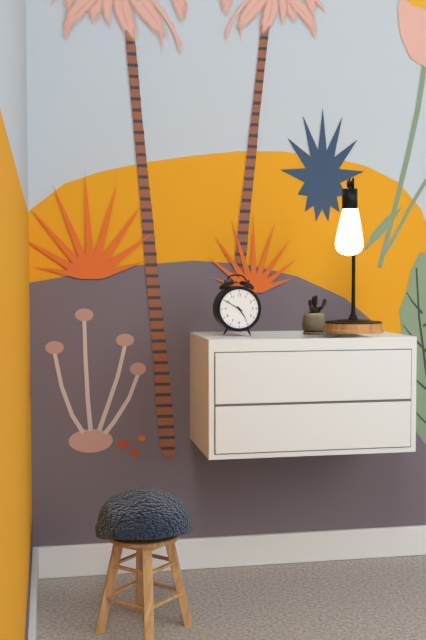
4:50
